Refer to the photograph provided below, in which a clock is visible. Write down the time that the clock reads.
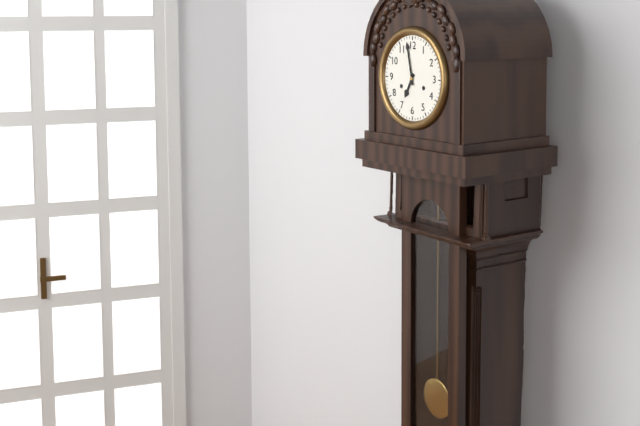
6:58
